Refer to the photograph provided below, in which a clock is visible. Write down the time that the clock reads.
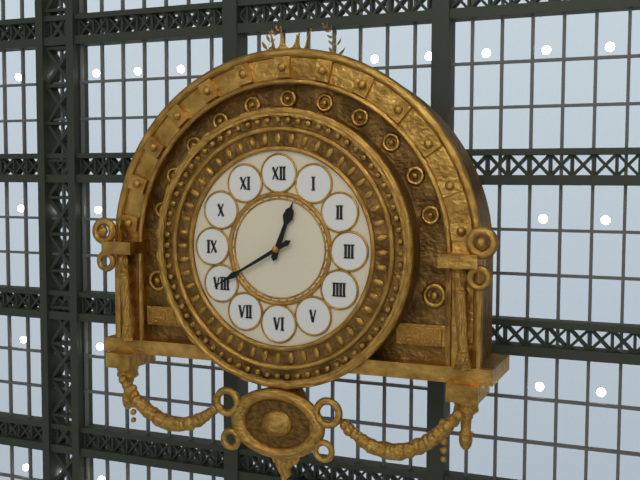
12:40
